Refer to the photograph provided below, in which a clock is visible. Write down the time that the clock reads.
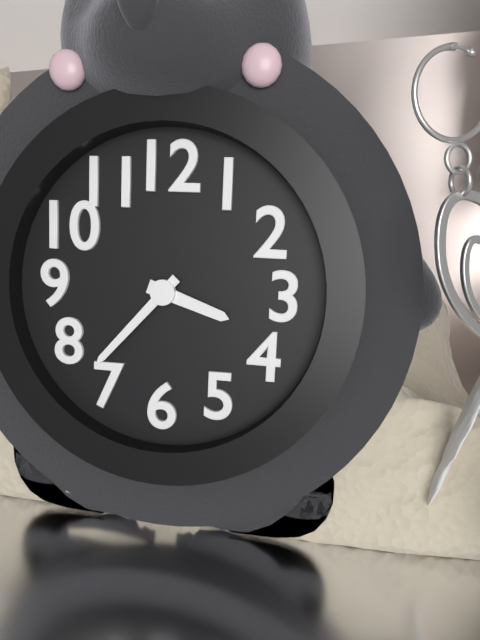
3:37
